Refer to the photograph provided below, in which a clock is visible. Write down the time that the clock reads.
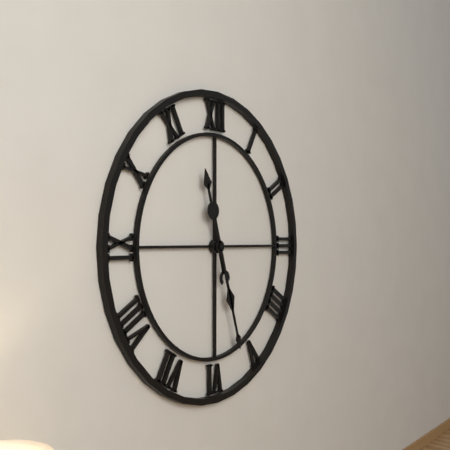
11:27
